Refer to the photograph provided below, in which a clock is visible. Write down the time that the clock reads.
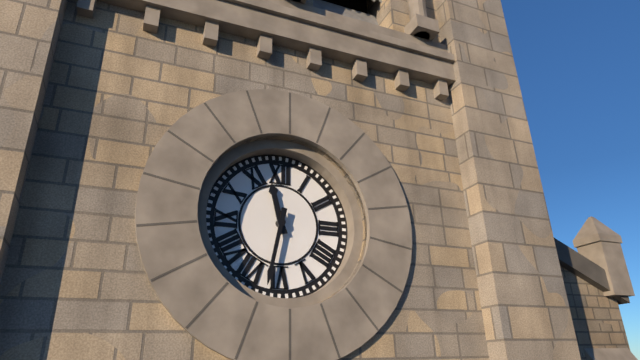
11:32
